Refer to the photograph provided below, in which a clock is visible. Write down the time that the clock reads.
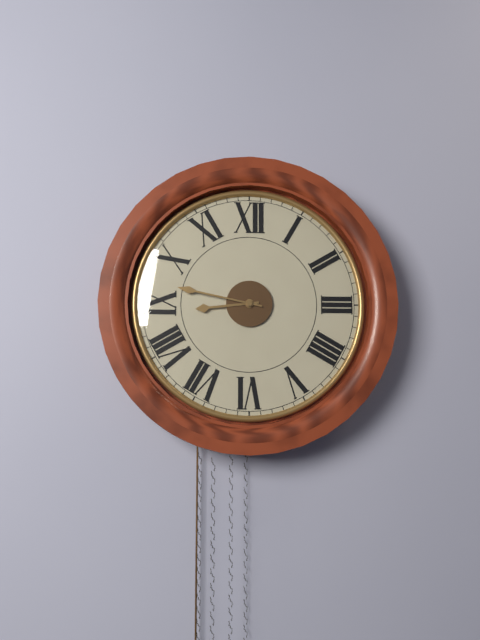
8:47
